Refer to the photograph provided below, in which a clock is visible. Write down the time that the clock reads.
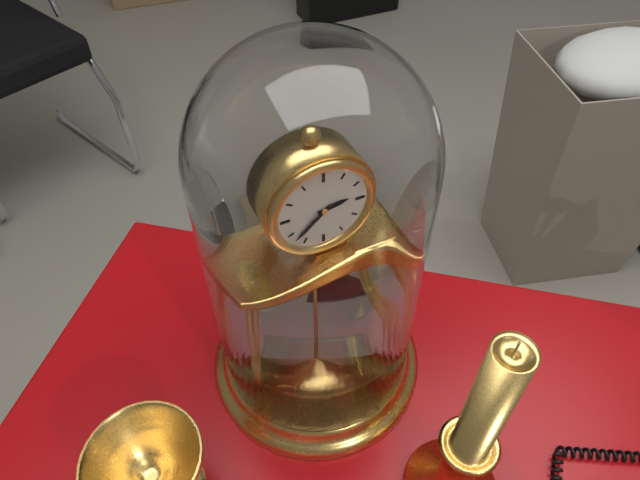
2:38
